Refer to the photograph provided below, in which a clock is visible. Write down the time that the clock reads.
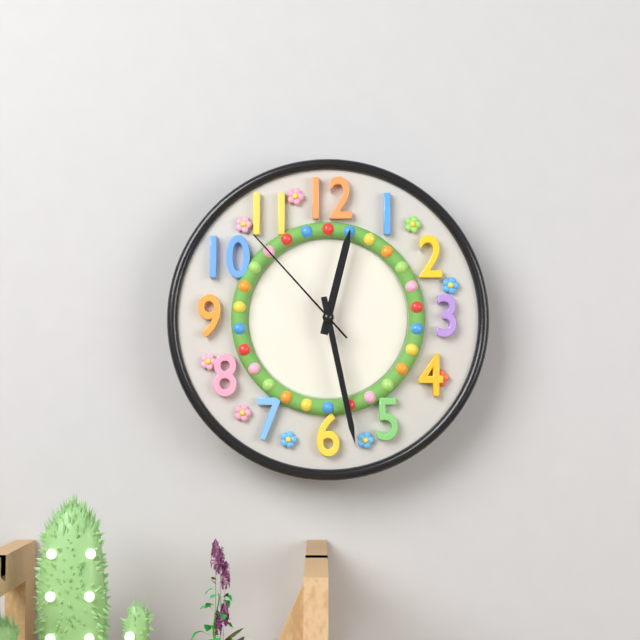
12:28:53
